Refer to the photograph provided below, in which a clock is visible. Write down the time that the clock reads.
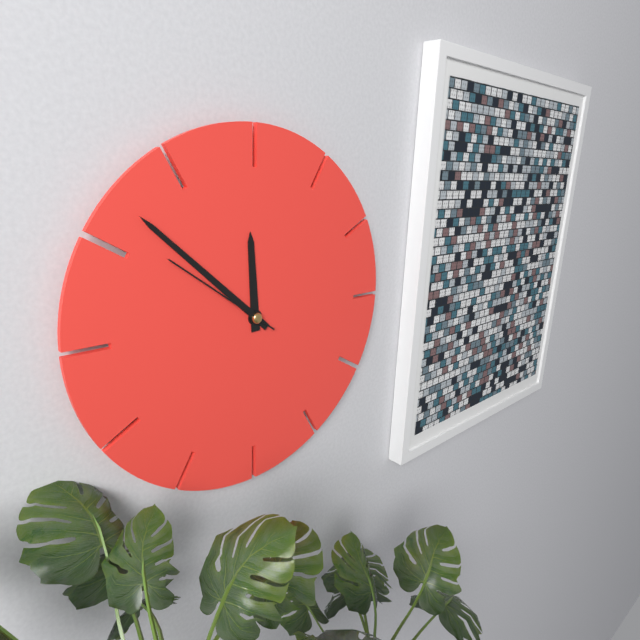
11:52:51
